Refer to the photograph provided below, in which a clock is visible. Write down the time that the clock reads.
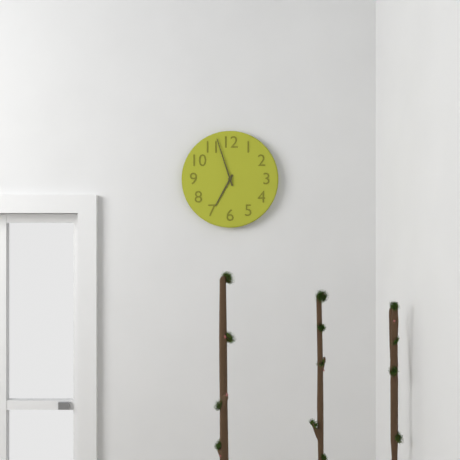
6:57
